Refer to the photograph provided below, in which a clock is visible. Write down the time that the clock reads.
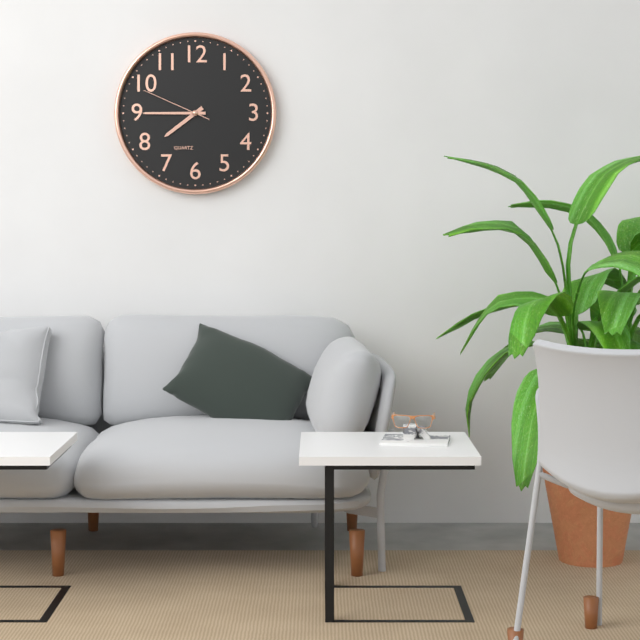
7:45:49
